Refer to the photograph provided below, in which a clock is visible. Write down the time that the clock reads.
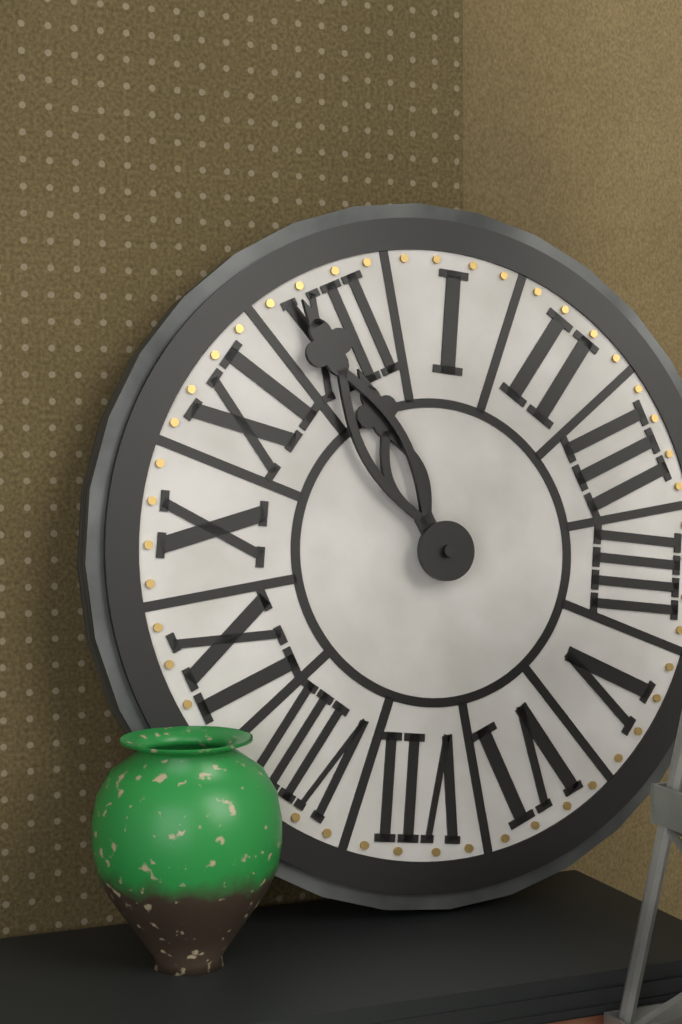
11:59
